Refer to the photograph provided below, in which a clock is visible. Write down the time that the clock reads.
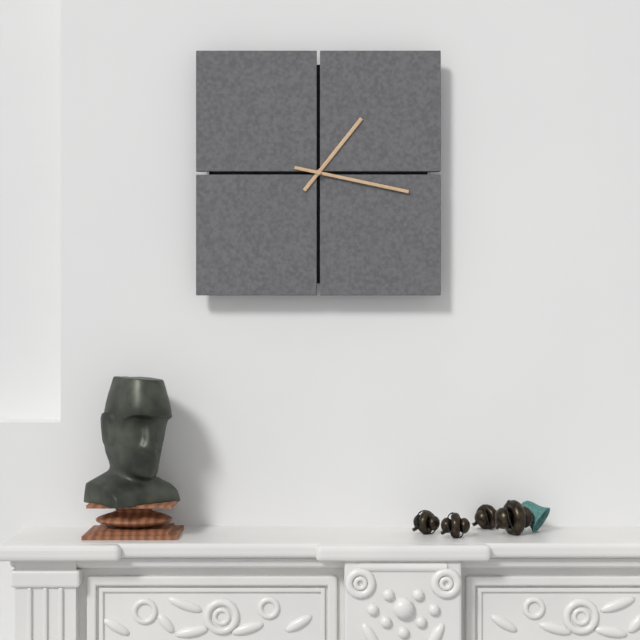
1:17
